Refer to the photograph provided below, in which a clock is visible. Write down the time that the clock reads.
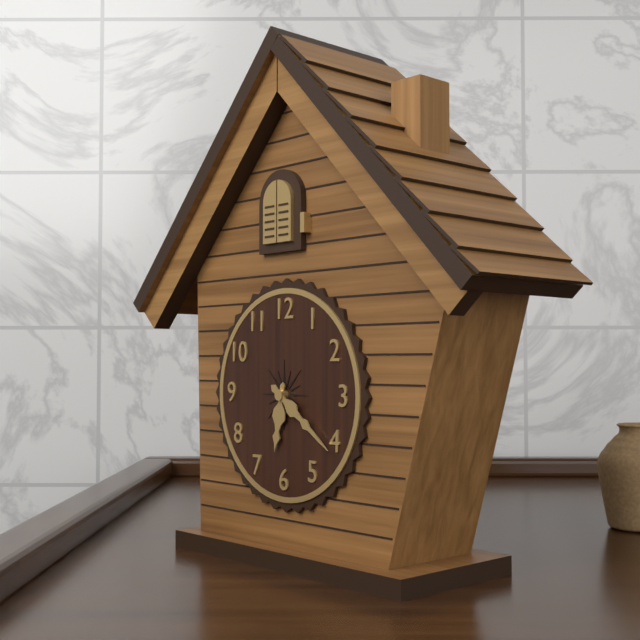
6:21
